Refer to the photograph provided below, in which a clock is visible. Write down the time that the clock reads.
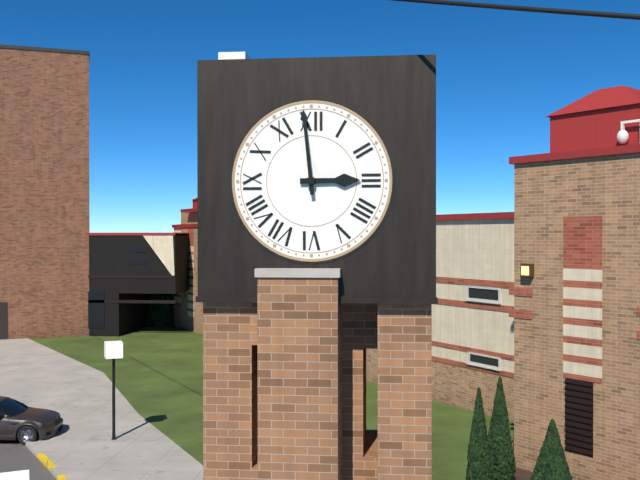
2:59
